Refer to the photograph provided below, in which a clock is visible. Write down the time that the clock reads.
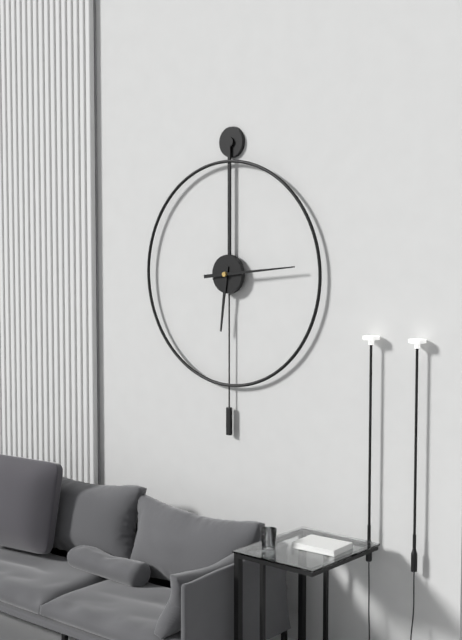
6:14
